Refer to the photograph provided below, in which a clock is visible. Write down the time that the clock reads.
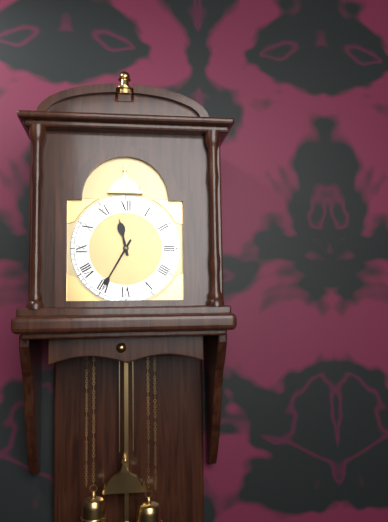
11:35
